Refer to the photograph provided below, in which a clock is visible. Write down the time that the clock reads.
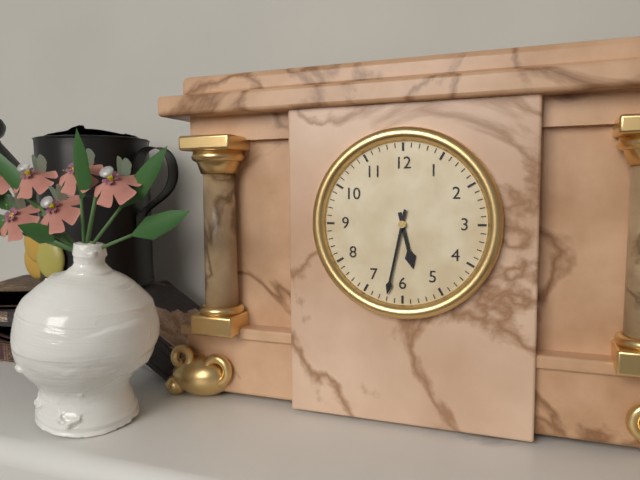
5:32
